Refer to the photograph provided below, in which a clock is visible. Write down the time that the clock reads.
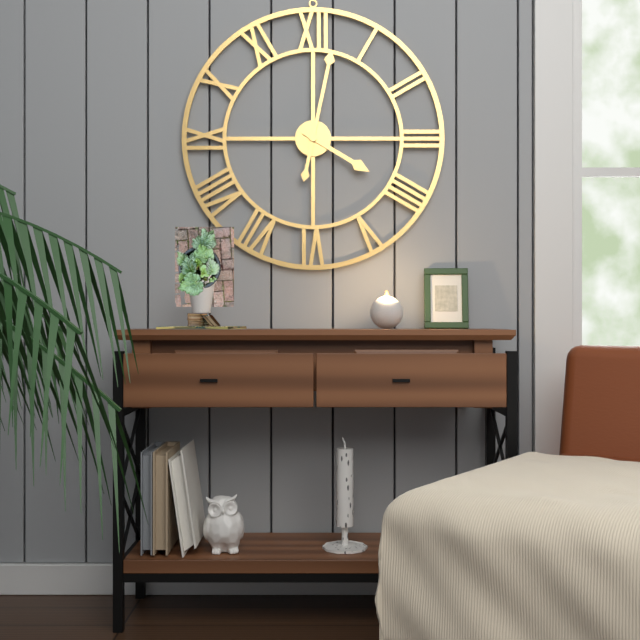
4:02
